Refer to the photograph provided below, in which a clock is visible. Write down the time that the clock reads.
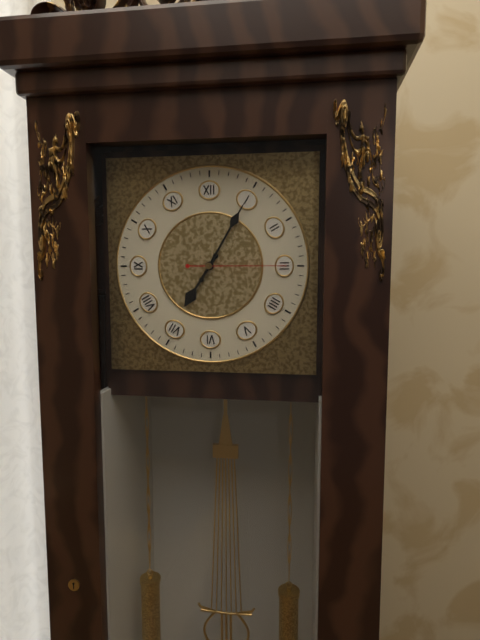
7:05:15
